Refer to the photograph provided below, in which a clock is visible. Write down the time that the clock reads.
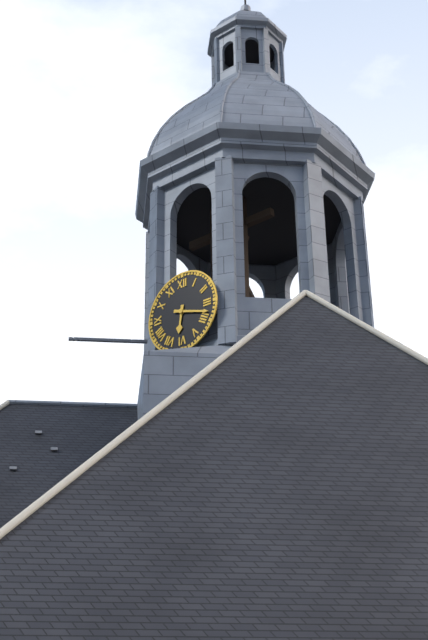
6:18
